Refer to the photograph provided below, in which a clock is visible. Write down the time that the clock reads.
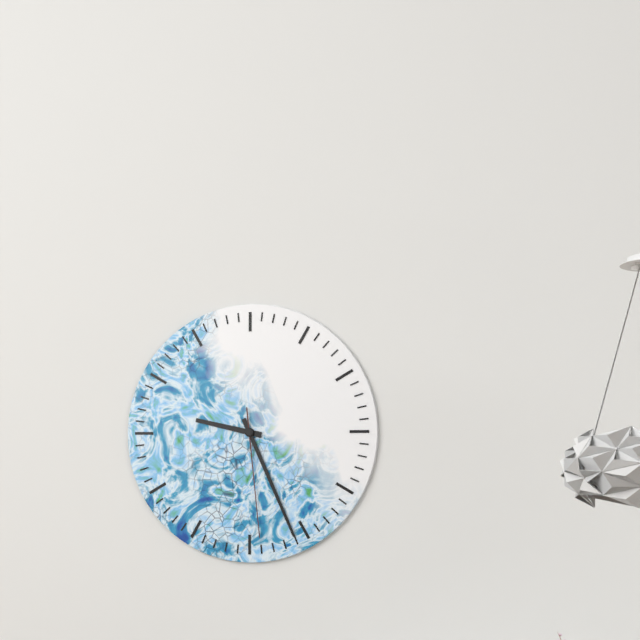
9:26:29
